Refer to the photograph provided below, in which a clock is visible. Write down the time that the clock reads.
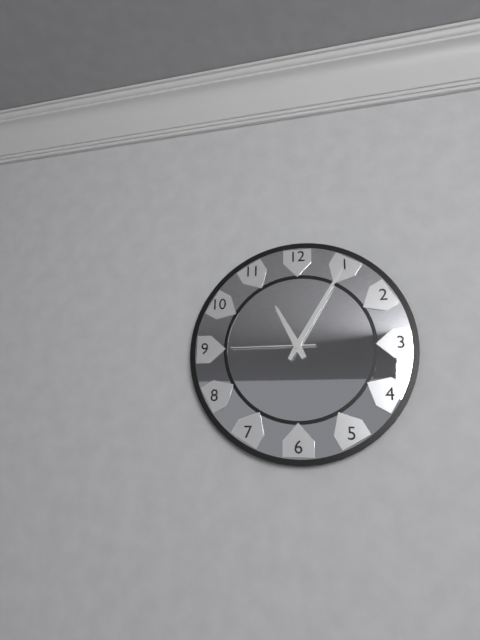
11:05:45
